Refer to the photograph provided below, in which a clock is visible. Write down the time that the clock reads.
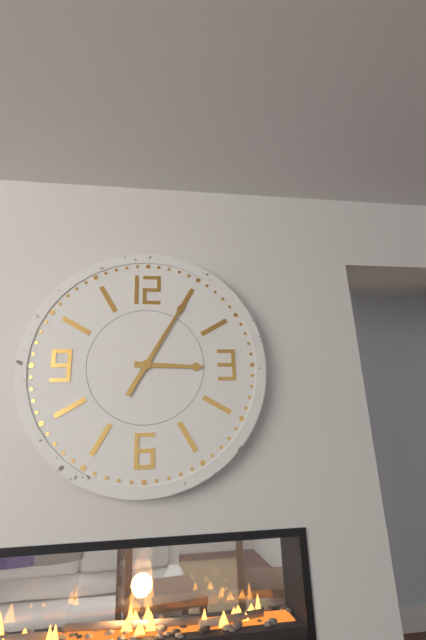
3:05
